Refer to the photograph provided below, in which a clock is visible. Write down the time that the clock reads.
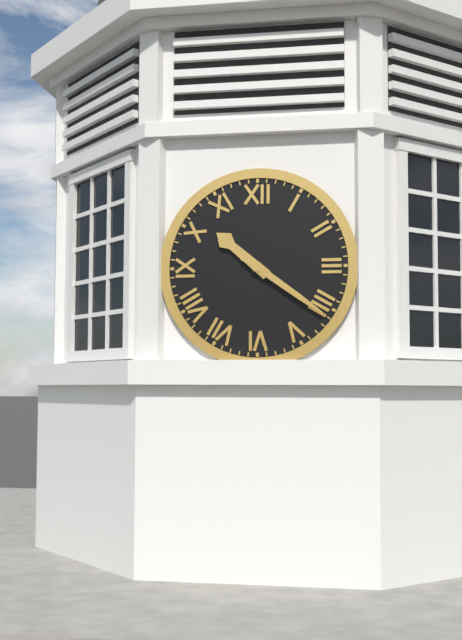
10:21
